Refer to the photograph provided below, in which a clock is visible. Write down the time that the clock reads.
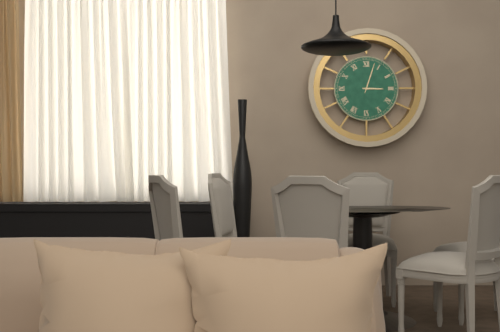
3:03
